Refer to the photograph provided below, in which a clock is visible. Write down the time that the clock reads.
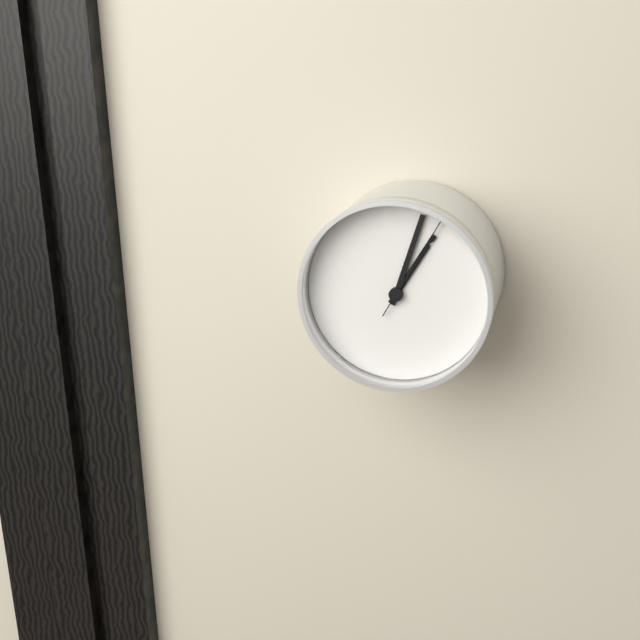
1:03:05
